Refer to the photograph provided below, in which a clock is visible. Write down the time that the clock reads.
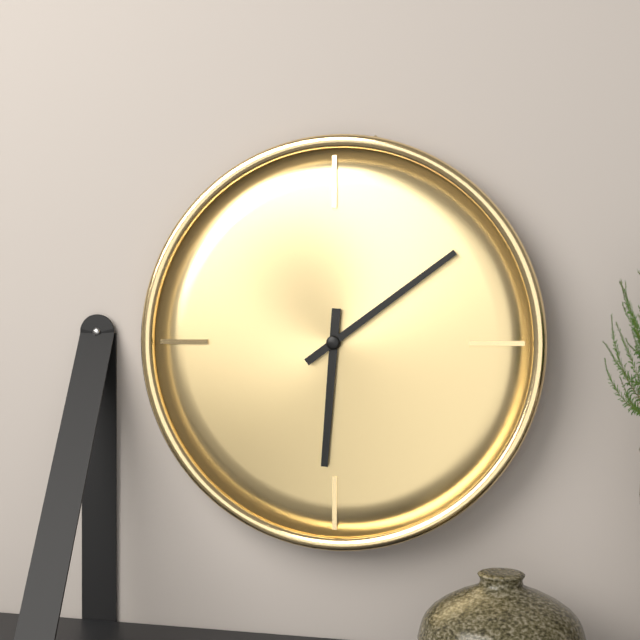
6:09
